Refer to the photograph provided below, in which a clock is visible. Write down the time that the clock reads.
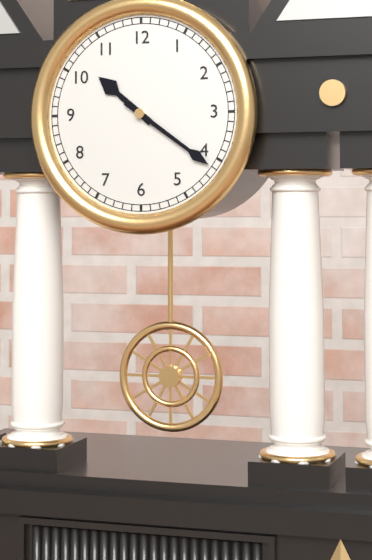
10:21
